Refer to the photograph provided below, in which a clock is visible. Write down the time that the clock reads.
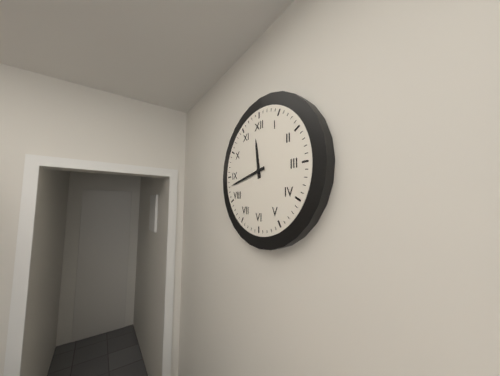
11:43
